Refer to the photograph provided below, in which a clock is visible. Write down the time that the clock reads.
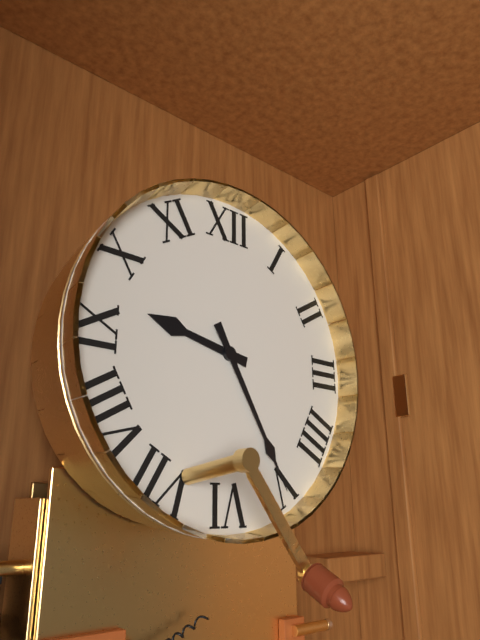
9:25
